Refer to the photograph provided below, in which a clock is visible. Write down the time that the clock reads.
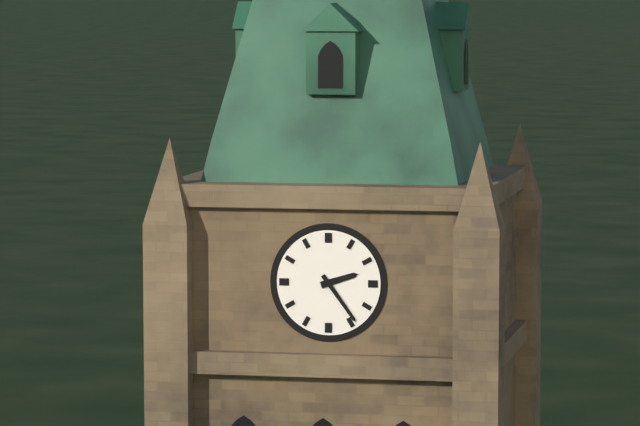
2:24
